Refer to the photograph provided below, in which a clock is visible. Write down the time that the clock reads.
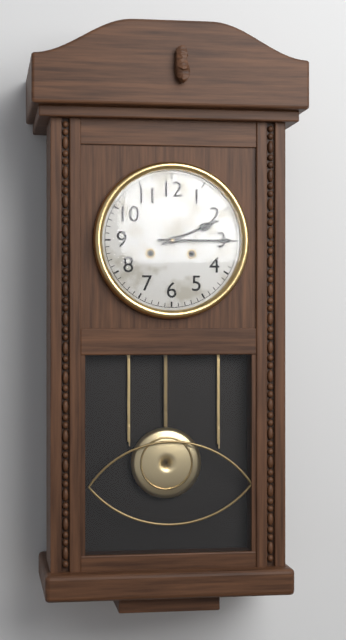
2:15
